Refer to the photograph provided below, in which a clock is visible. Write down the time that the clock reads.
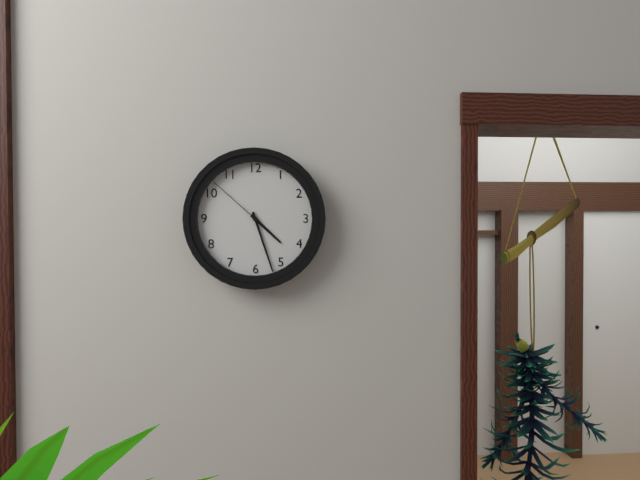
4:27:52
